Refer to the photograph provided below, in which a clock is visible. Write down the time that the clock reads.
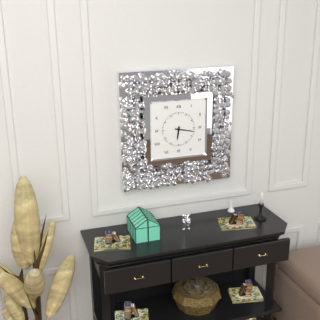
6:17
